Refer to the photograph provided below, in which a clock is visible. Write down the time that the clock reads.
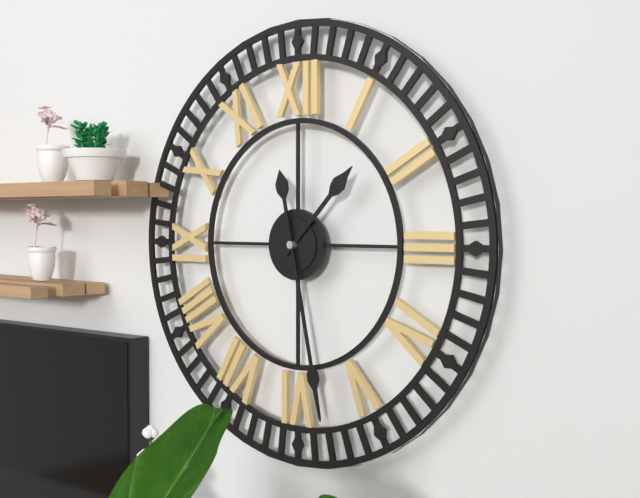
1:28
